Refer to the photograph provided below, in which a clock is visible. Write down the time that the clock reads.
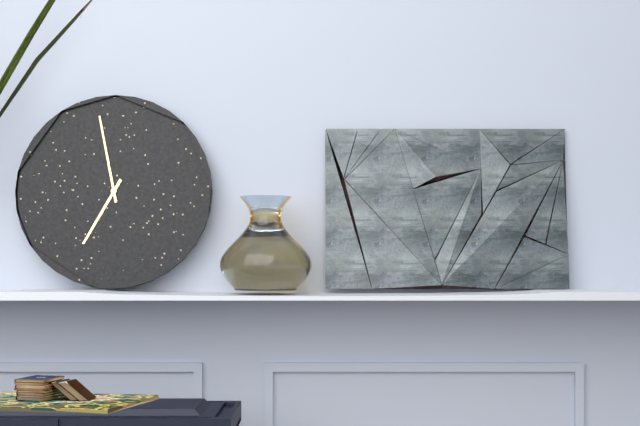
6:58
